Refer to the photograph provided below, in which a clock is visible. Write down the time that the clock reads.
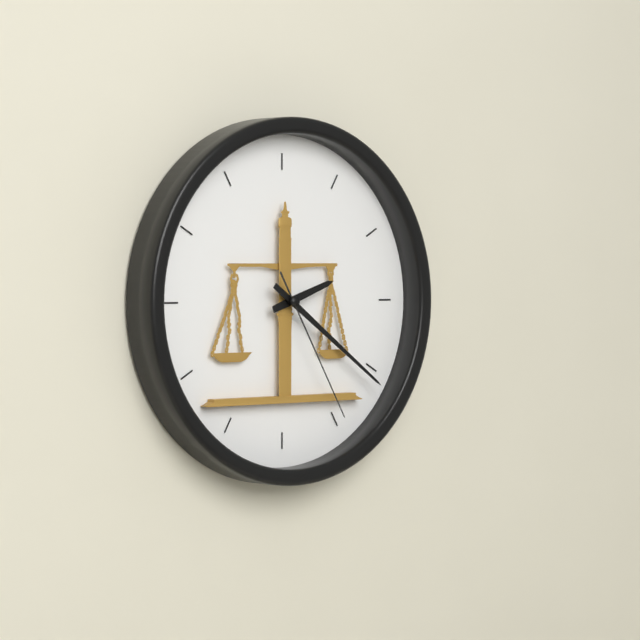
2:21:25
